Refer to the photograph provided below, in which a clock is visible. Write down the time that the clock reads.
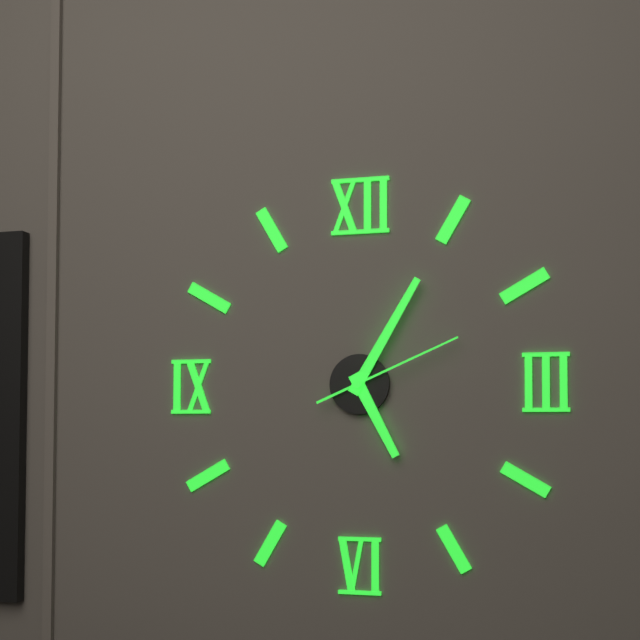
5:05:11
